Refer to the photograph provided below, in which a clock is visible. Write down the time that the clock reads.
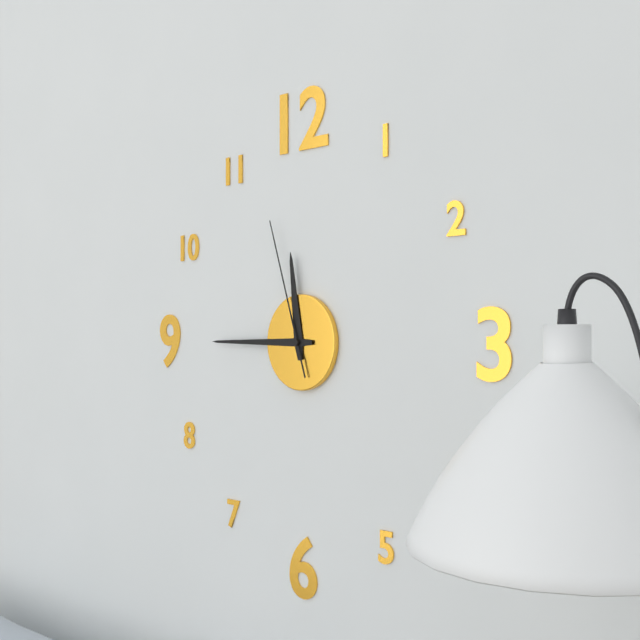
11:45:57
